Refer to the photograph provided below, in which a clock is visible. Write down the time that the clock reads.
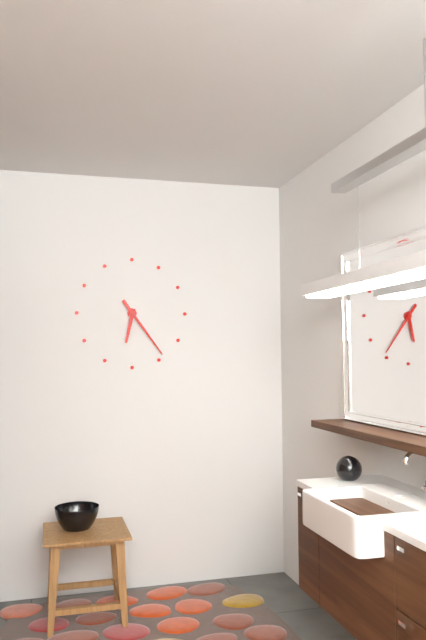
6:24
